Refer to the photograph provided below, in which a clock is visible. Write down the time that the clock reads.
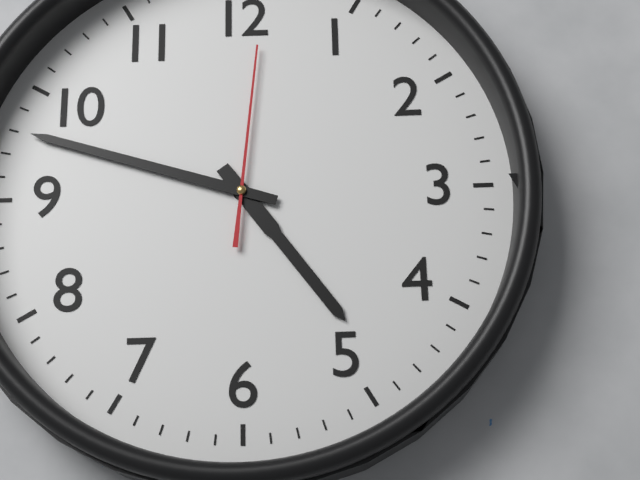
4:48:01
